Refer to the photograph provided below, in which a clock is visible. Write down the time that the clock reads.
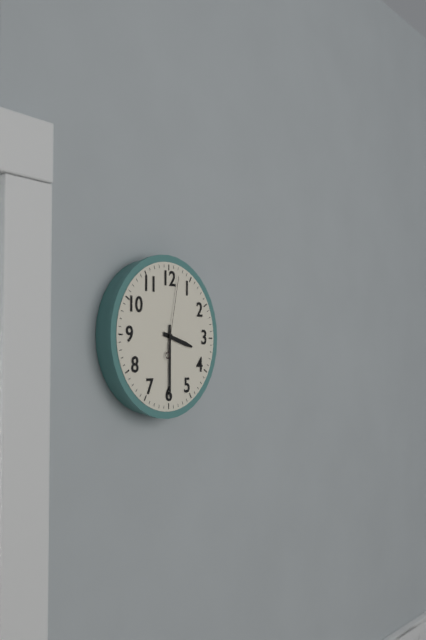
3:30:02
